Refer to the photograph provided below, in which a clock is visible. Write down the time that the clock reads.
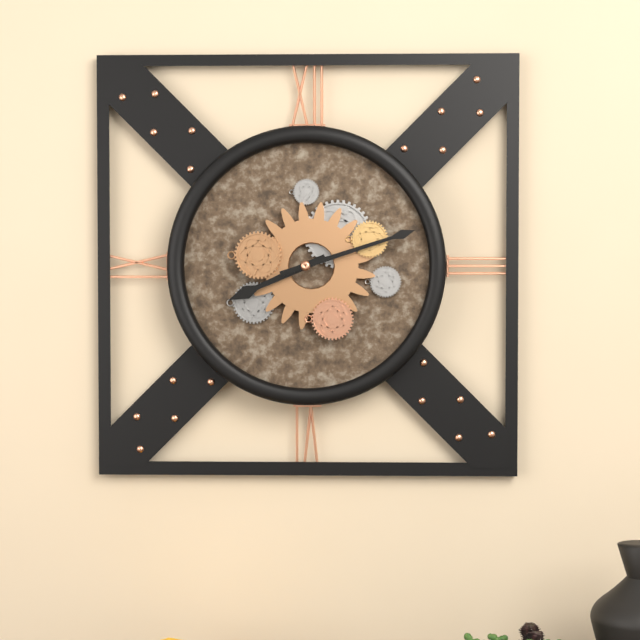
8:12
